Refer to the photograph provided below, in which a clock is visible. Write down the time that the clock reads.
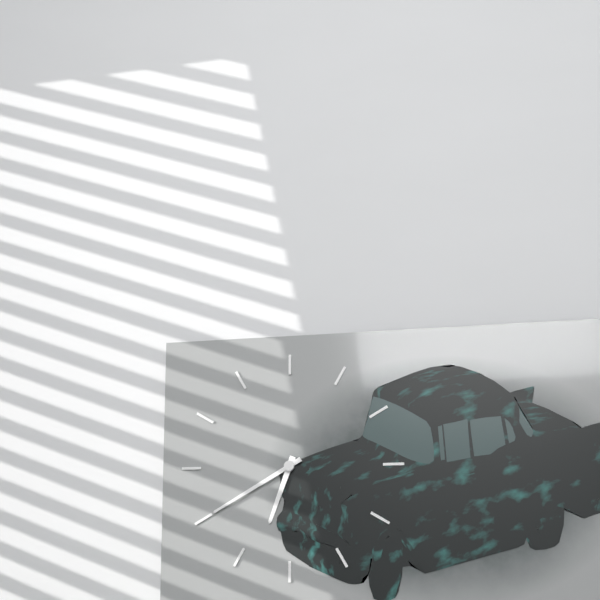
6:40
